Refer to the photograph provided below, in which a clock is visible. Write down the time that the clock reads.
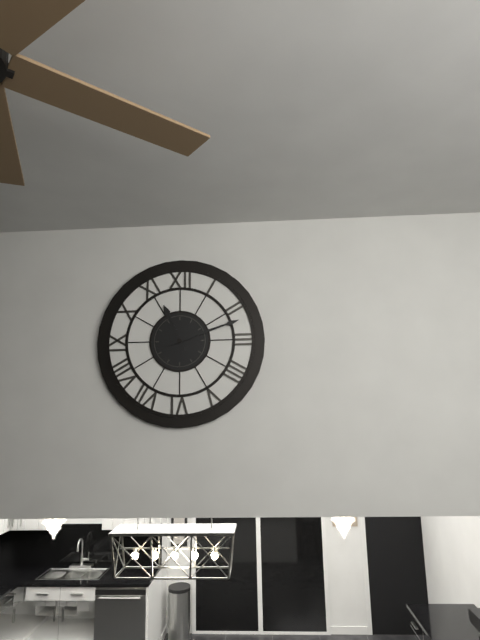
11:12
